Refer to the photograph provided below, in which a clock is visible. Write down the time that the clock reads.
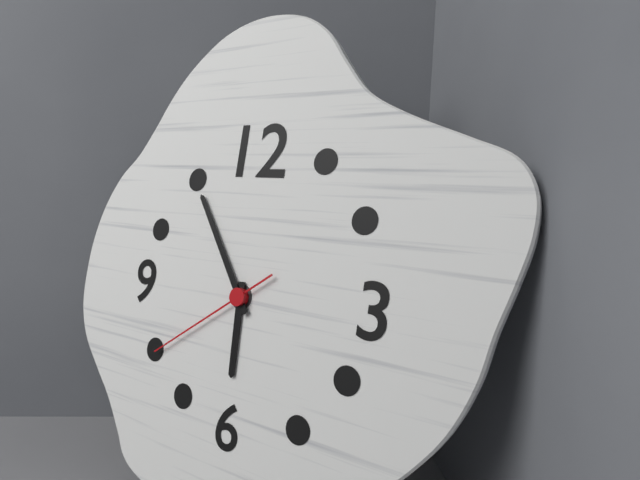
5:54:39
